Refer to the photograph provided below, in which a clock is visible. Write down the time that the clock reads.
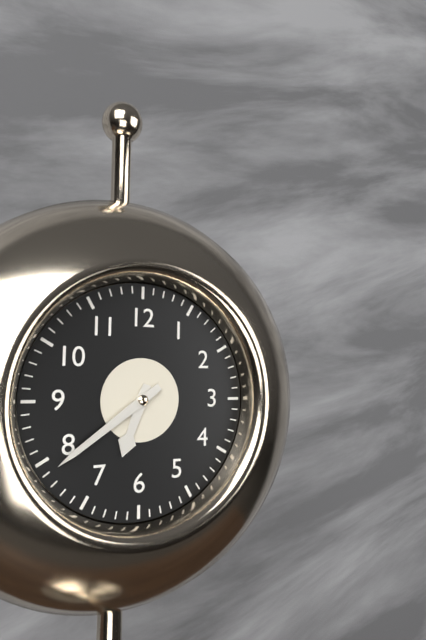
6:39
